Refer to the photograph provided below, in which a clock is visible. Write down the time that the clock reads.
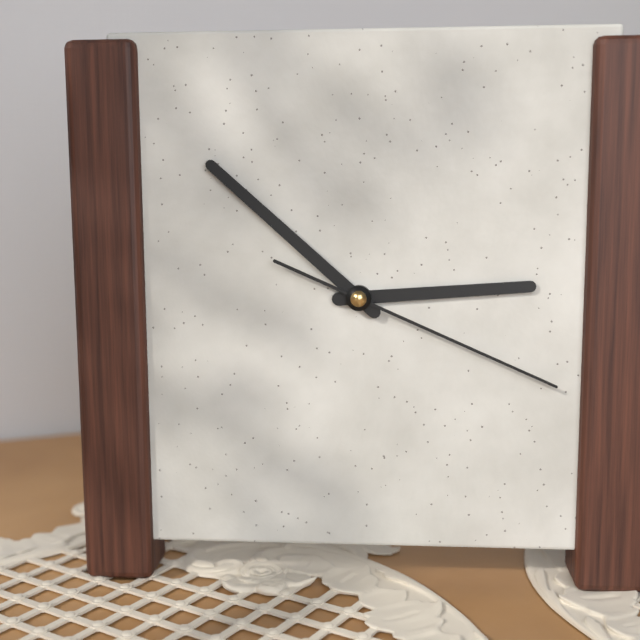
2:52:19
